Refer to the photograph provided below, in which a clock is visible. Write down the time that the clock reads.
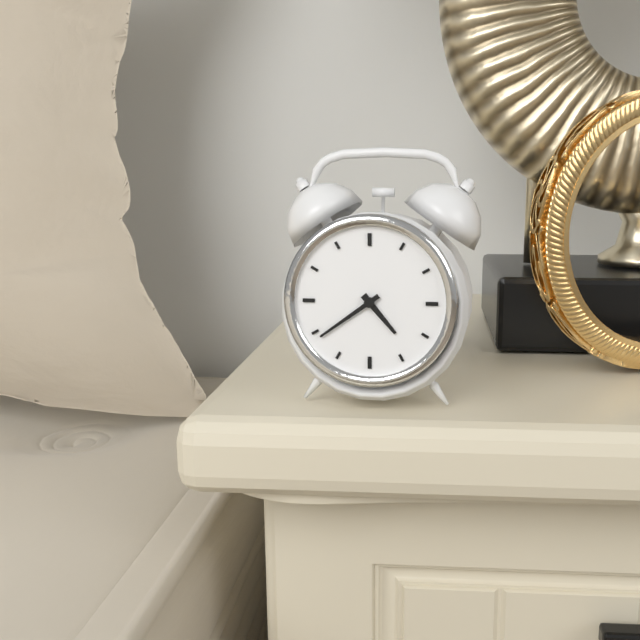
4:39
